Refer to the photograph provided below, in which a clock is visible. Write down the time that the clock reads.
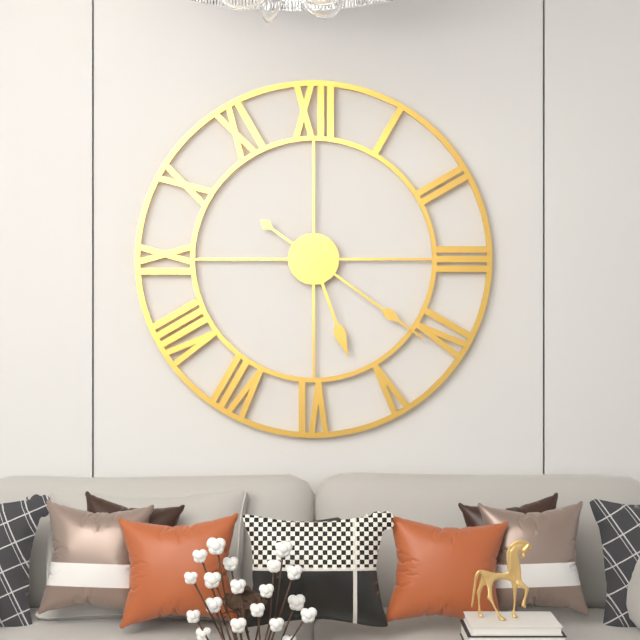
5:21
